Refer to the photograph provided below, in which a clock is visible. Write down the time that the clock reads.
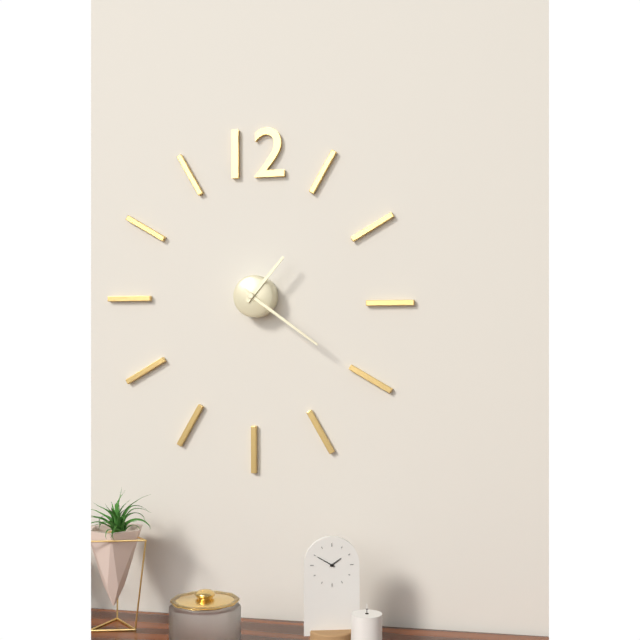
1:21
